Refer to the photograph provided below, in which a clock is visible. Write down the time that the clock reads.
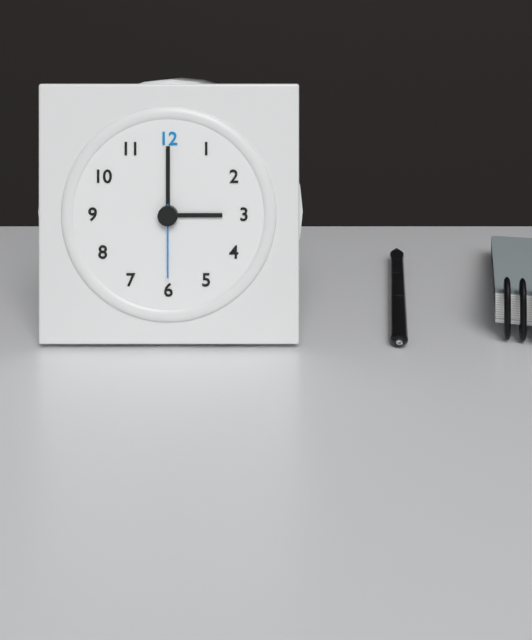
3:00:30
